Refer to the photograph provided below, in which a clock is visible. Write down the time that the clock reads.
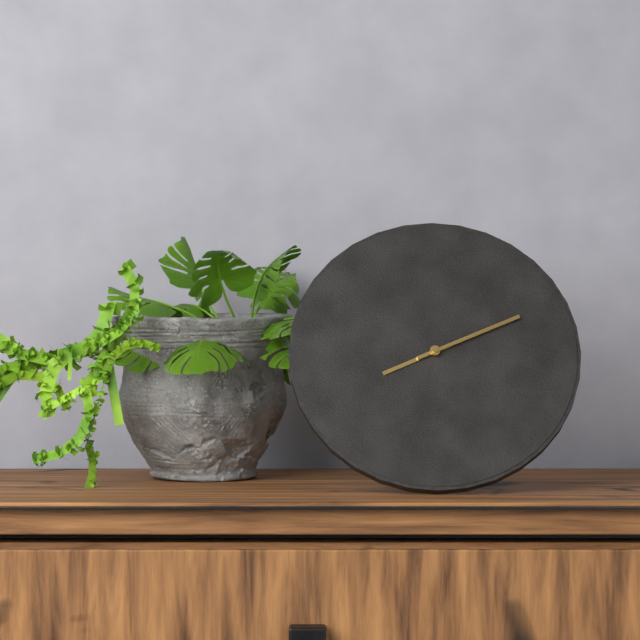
8:11
